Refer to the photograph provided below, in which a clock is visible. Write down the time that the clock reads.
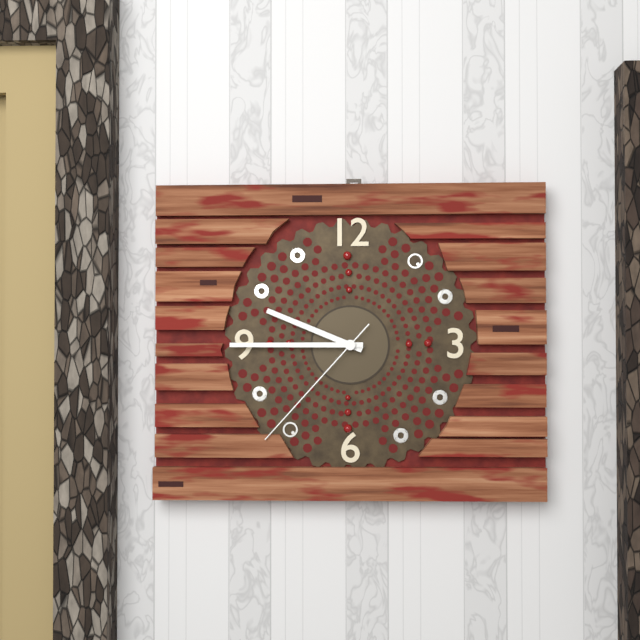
9:45:37
